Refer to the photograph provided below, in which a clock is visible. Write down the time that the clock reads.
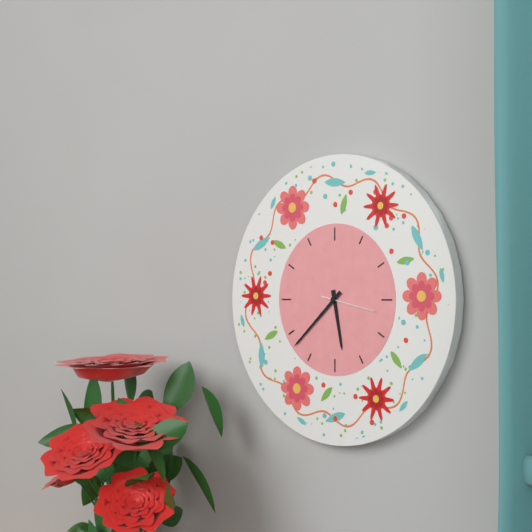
5:38:17
